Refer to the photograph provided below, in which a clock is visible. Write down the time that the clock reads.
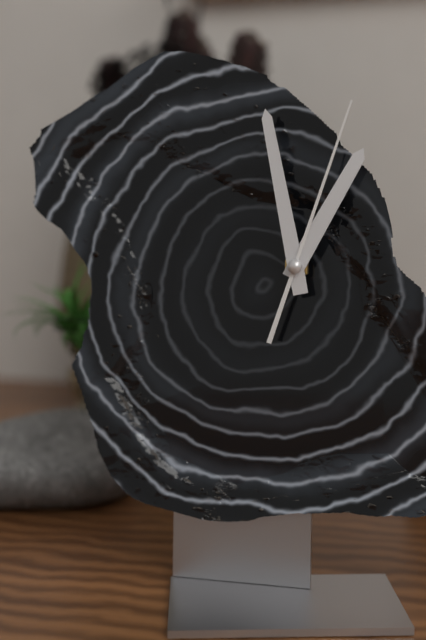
12:58:03
